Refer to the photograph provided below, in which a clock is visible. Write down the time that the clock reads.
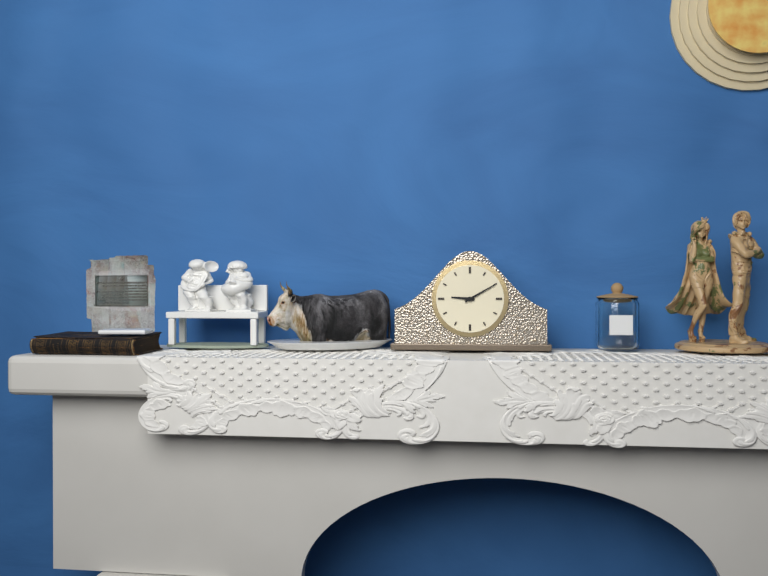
9:10
